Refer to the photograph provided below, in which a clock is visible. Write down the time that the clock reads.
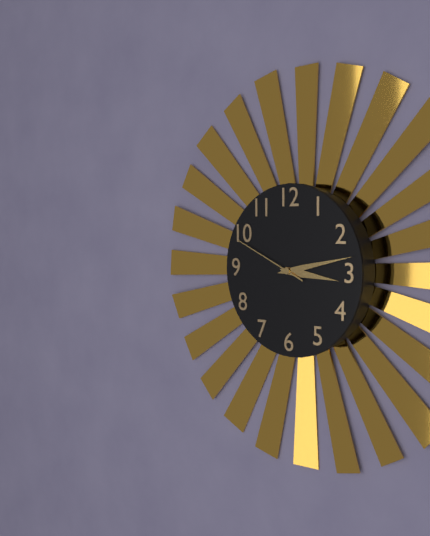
3:13:49
